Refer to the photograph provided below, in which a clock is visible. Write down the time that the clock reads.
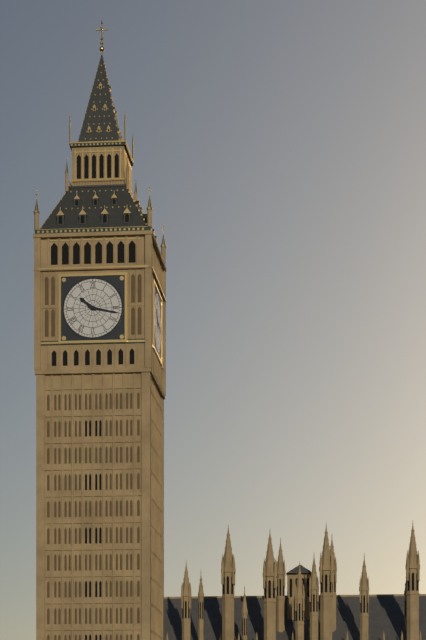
10:17
